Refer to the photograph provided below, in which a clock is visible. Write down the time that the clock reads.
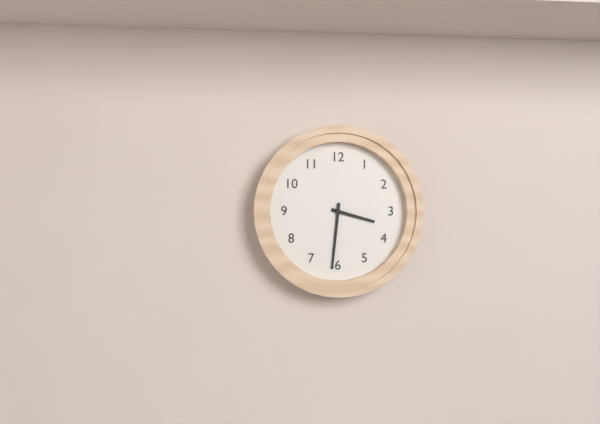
3:31
